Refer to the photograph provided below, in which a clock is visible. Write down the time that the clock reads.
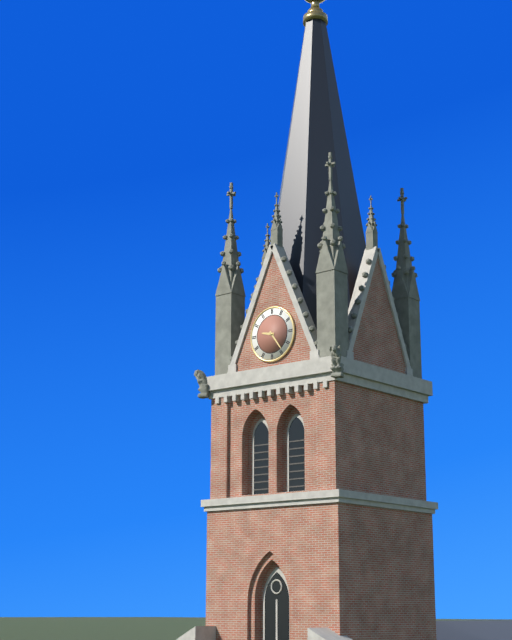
9:24
